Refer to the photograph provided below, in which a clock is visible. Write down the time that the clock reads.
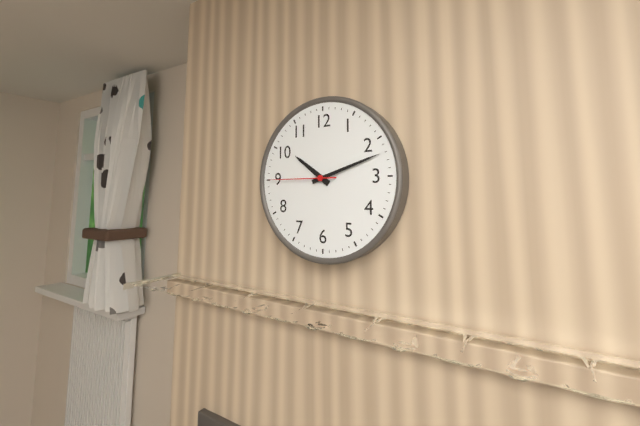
10:12:45
